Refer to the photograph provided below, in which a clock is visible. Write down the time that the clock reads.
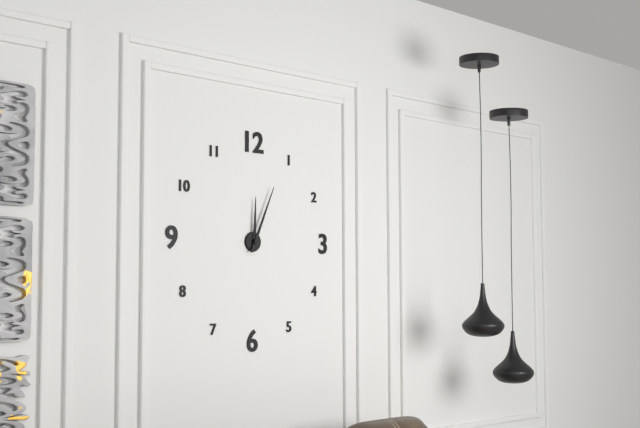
12:04
